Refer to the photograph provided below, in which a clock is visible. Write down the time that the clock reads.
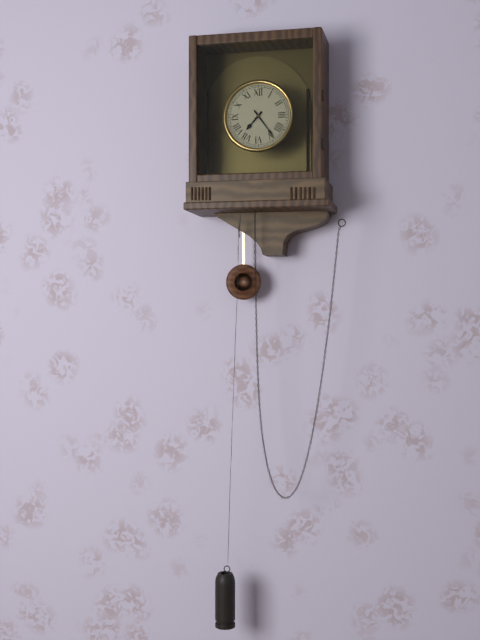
7:24
